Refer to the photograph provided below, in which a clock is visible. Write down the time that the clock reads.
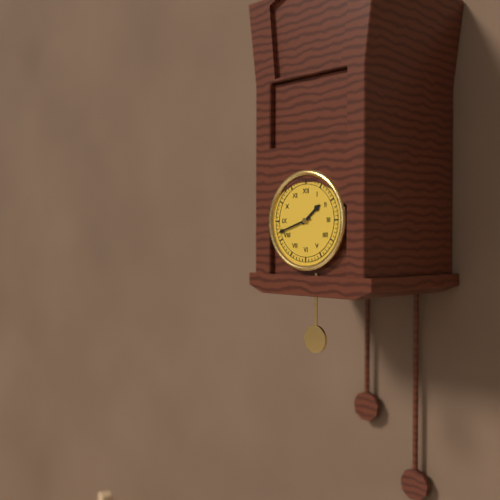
1:42
